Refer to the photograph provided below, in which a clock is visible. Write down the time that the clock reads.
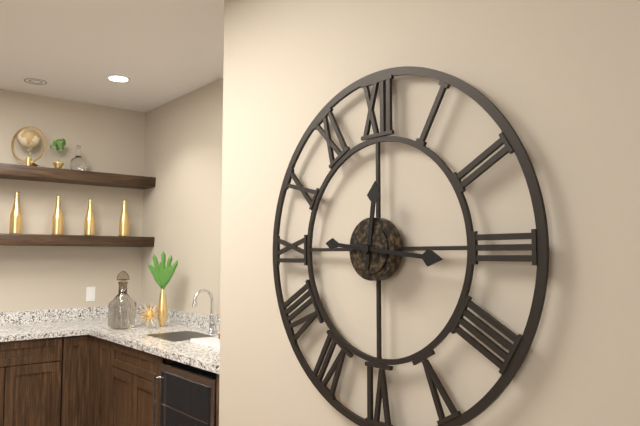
12:16
